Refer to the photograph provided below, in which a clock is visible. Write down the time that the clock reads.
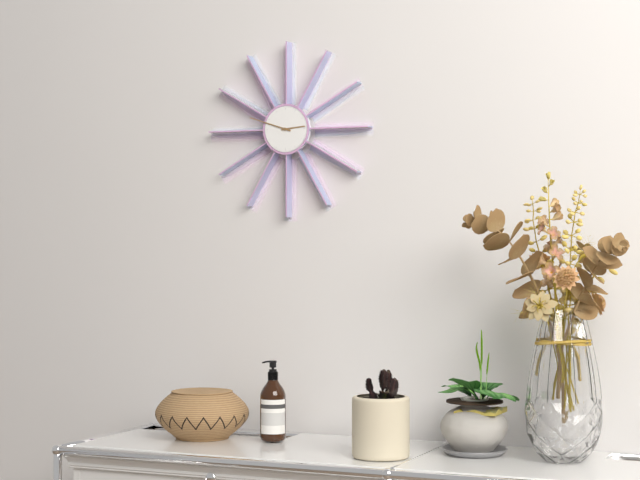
2:48
